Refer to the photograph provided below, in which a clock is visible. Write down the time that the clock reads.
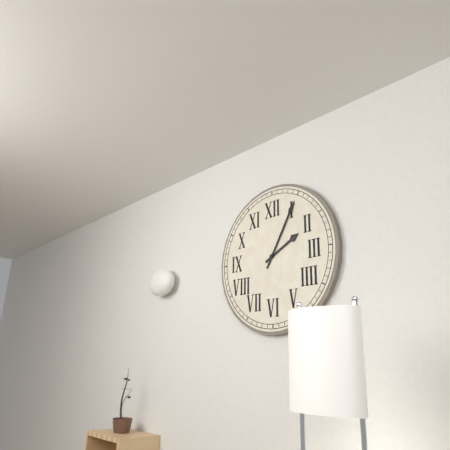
2:05
